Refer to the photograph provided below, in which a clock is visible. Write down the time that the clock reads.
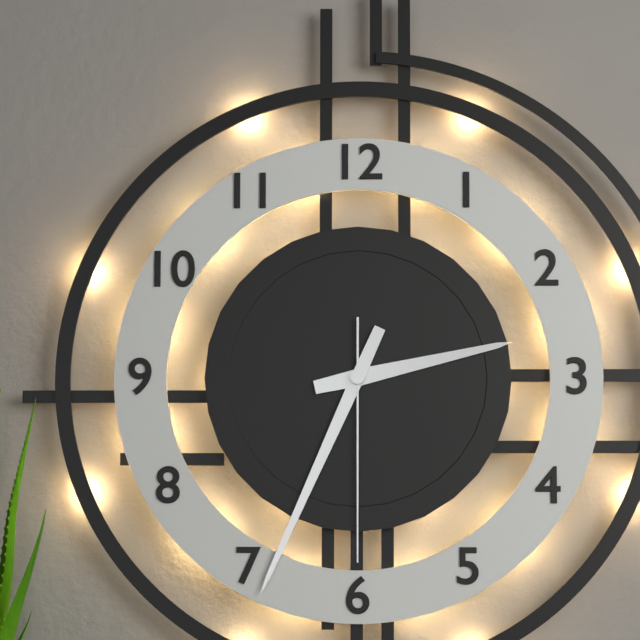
2:34:30
